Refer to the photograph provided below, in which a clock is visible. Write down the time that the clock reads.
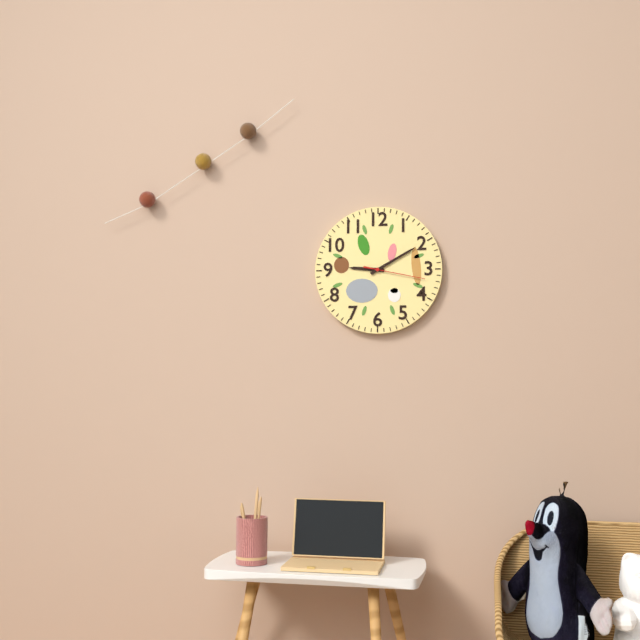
9:10:17
